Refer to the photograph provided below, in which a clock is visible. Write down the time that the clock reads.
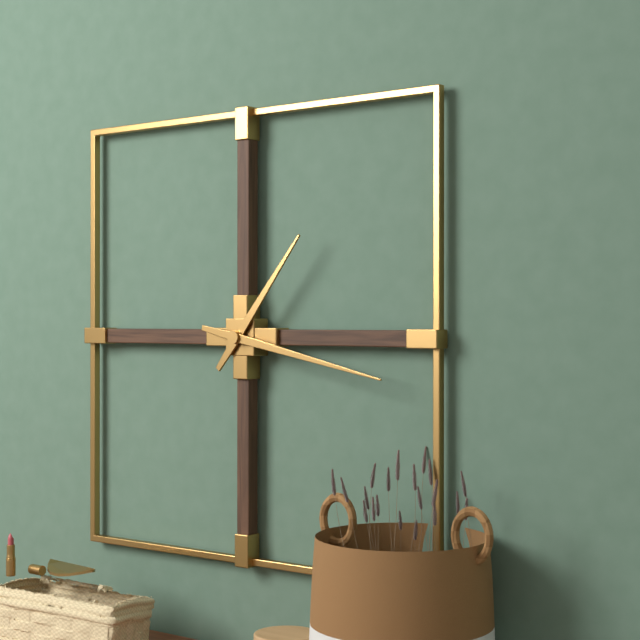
1:17
